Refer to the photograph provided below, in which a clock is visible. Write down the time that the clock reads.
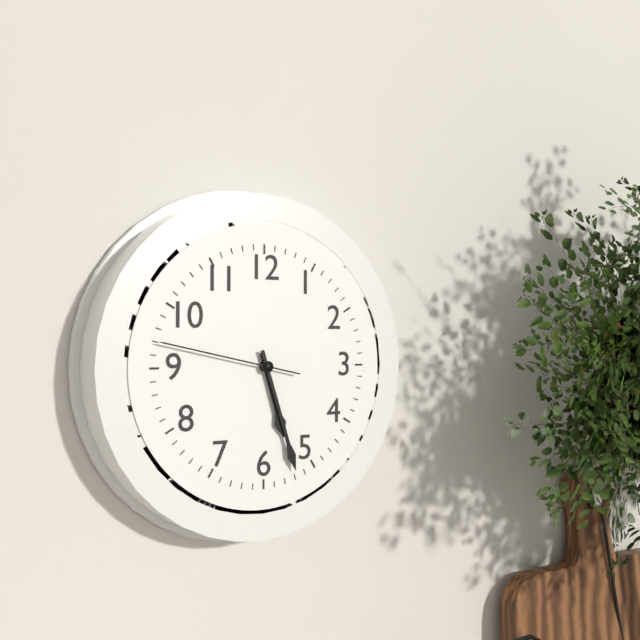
5:27:47
